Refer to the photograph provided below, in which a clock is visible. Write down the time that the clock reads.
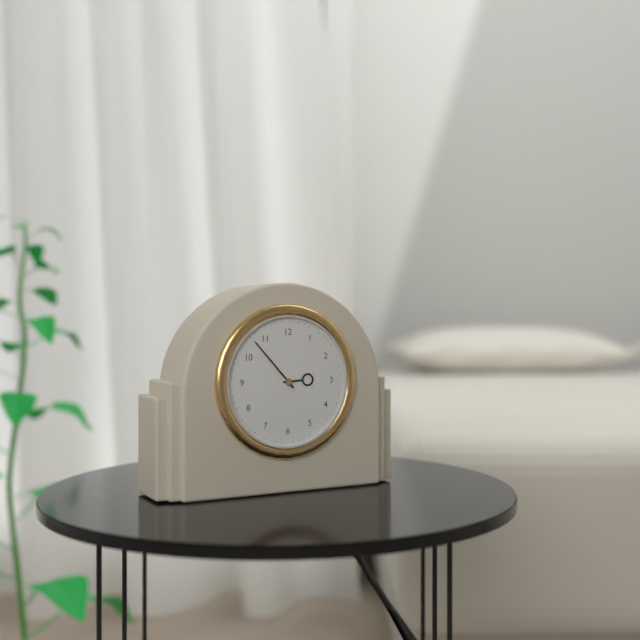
2:53
